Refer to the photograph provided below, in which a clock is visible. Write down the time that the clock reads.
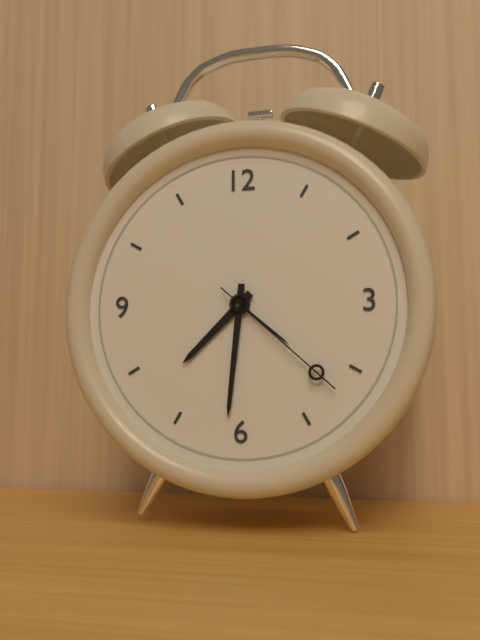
7:31:22
